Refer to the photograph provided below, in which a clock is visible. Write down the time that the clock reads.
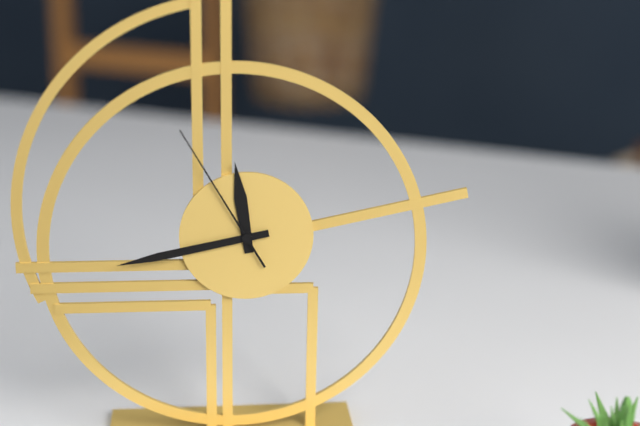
11:43:55
